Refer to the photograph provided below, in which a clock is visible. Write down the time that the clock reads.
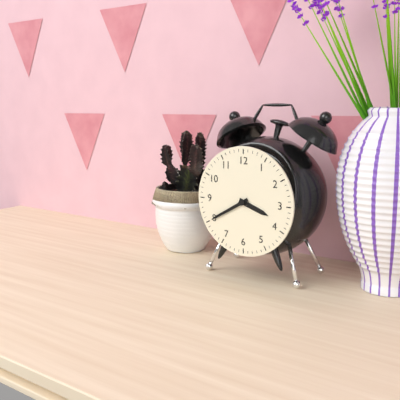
3:40
